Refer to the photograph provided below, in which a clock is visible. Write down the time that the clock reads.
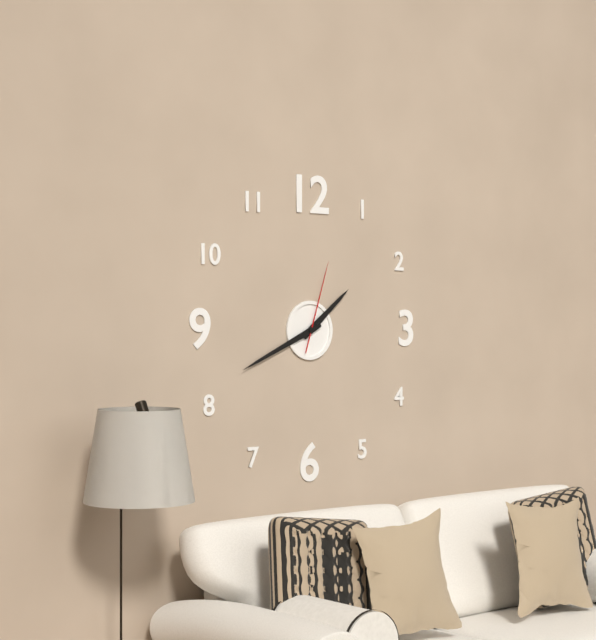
1:41:03
